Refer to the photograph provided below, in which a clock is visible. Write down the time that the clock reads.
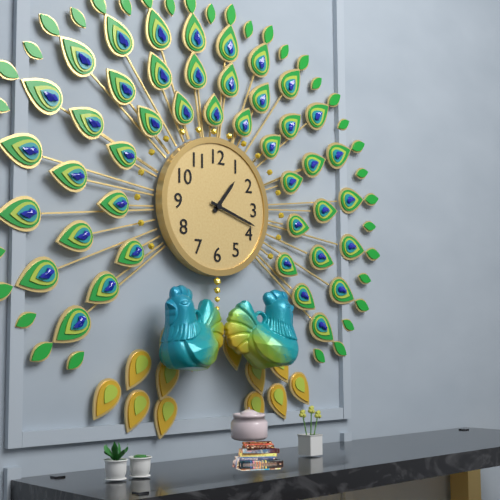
1:18
